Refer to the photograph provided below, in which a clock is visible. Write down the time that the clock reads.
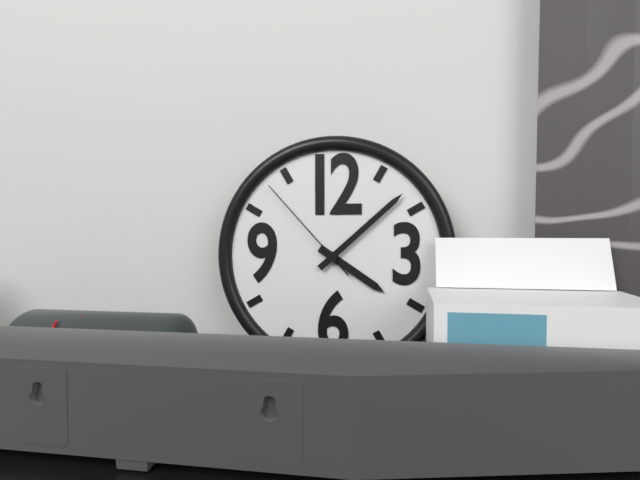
4:08:53
